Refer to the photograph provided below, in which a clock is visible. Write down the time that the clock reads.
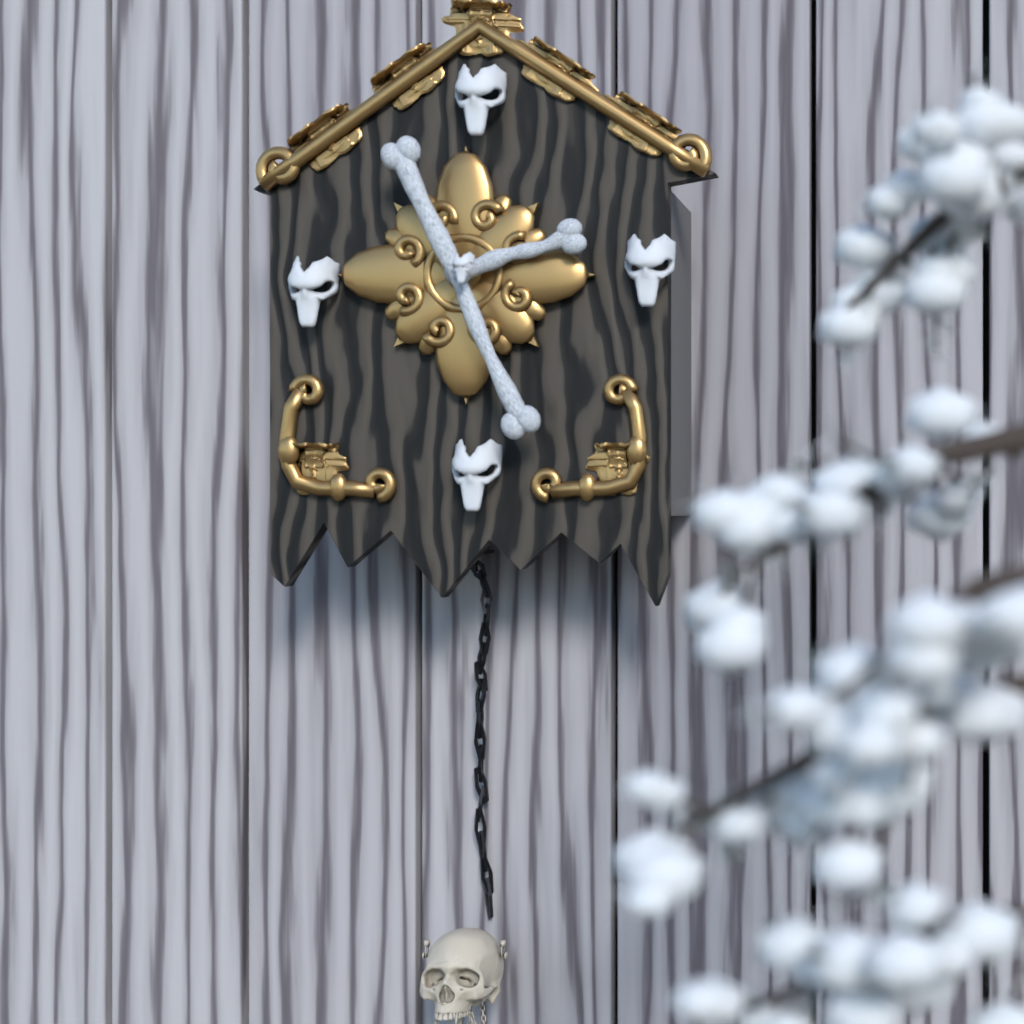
2:26
